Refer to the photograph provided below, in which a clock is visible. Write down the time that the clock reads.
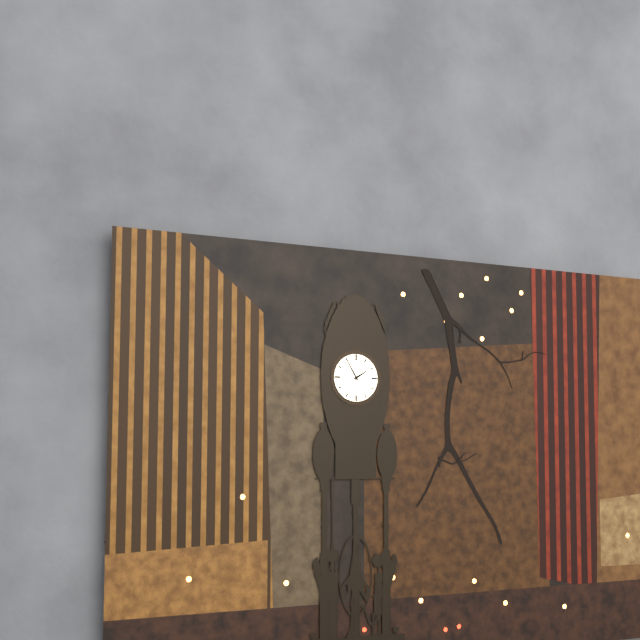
1:55
